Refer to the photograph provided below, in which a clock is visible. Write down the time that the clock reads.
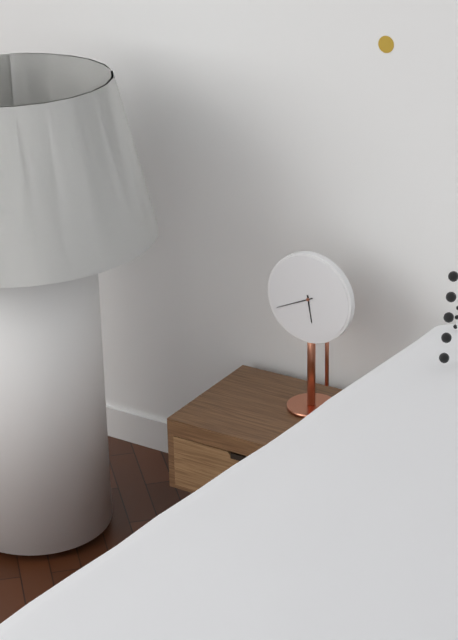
5:41
